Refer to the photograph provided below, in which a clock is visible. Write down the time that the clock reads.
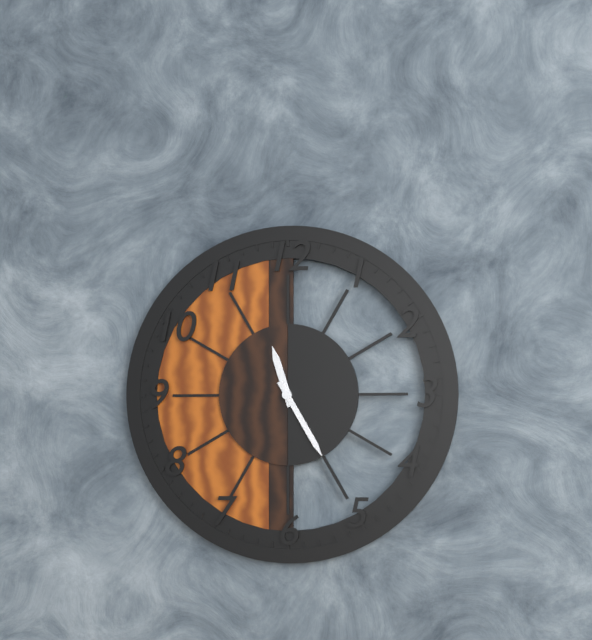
11:25
